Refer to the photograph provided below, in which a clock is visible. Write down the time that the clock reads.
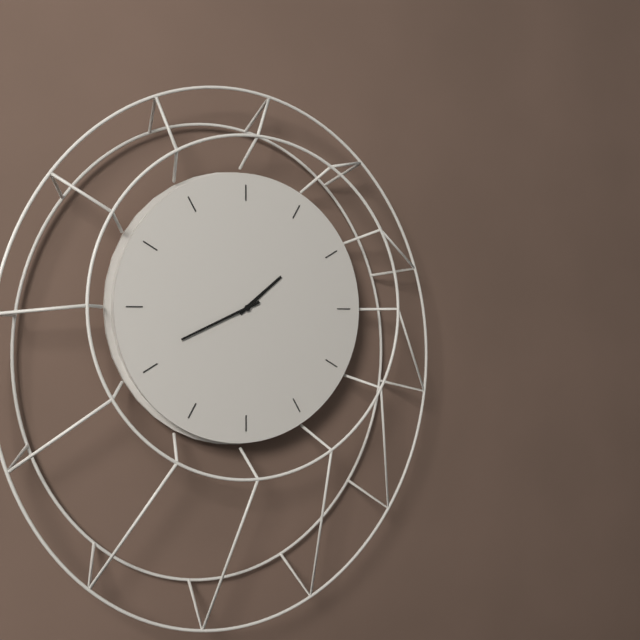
1:41
